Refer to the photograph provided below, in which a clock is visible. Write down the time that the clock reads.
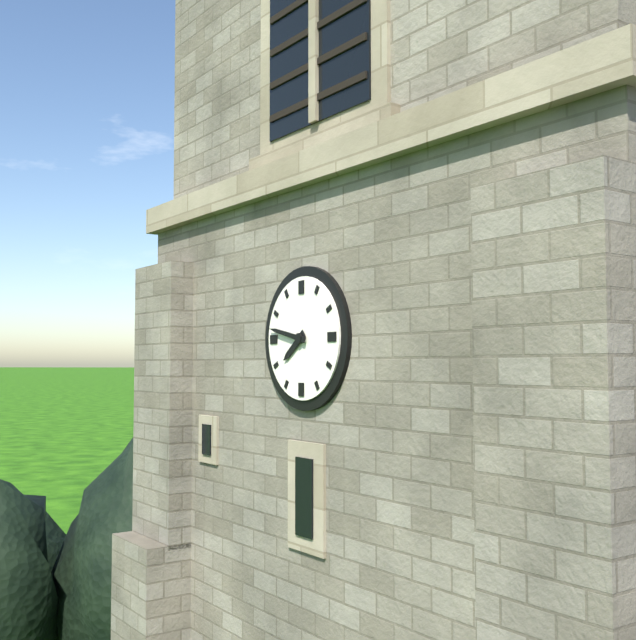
7:47
